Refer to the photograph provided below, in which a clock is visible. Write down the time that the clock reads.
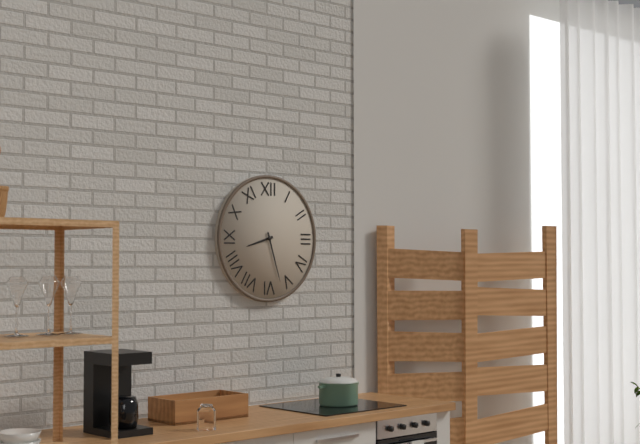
8:27
